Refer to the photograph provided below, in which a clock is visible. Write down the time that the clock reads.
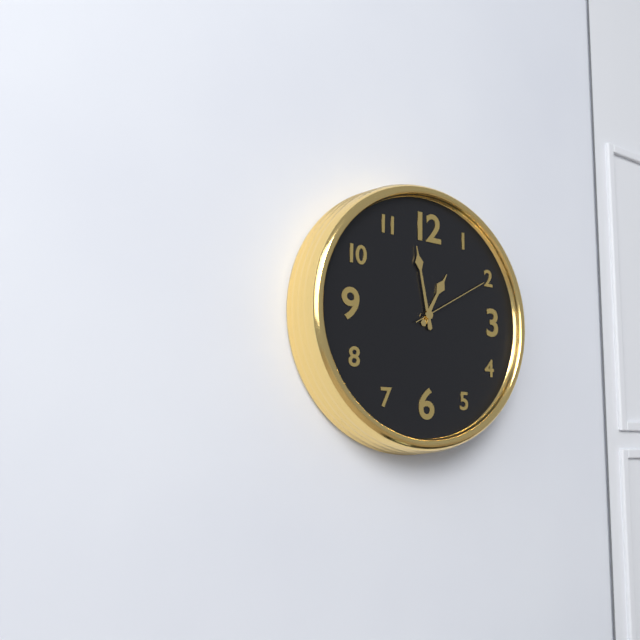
12:58:10
